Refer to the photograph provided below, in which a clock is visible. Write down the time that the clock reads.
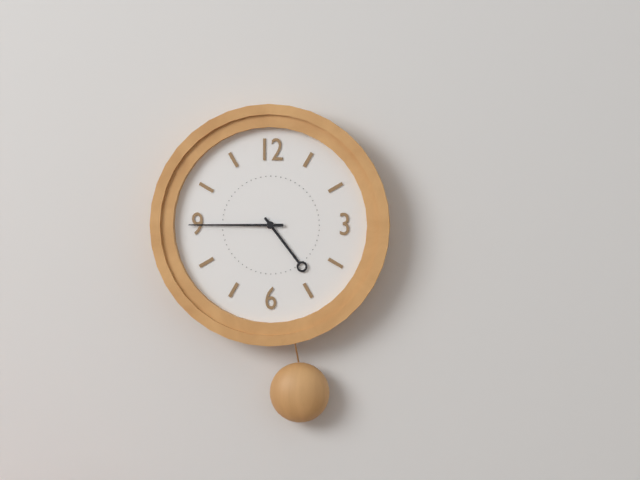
4:45
